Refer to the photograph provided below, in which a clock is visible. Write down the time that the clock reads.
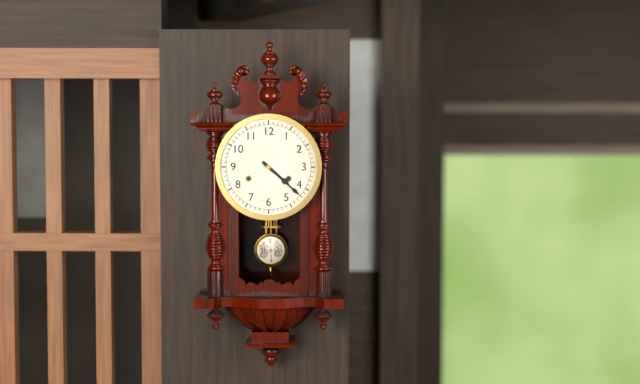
4:22
